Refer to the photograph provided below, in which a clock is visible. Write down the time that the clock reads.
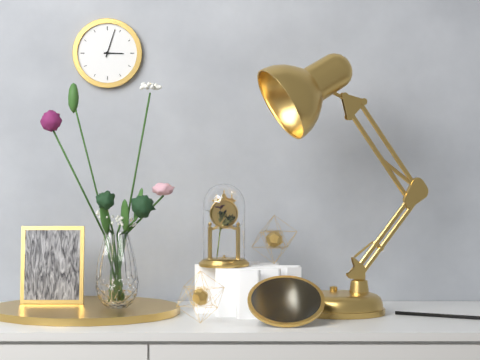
3:03
